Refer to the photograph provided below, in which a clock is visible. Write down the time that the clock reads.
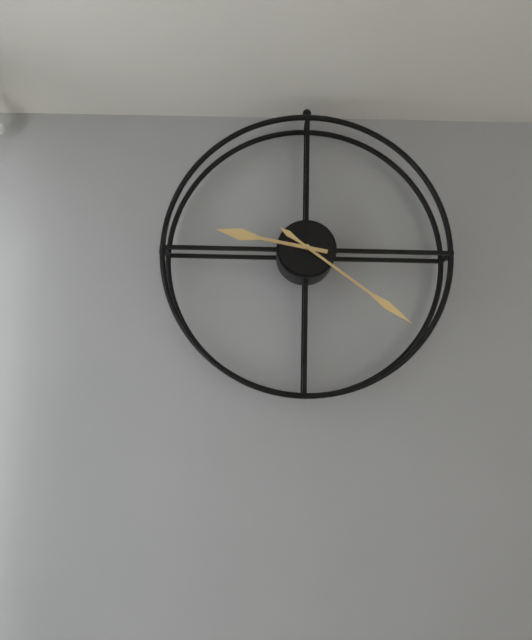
9:21
